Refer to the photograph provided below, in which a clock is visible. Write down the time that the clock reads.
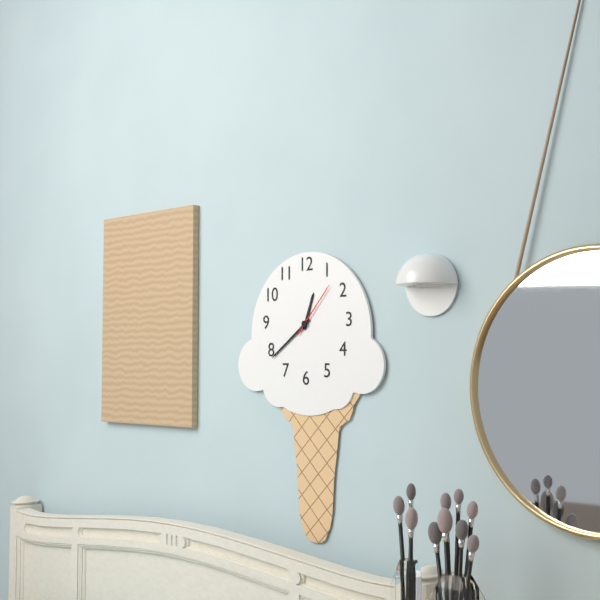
12:39:07
